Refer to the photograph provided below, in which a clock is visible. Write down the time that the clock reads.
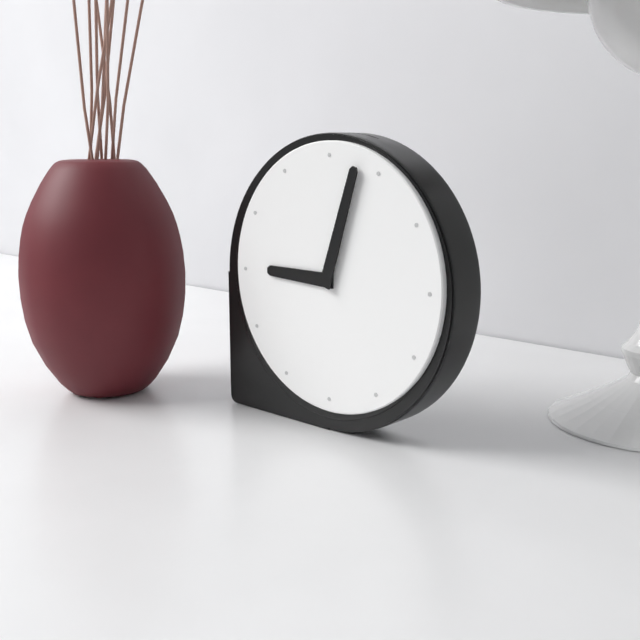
9:03
